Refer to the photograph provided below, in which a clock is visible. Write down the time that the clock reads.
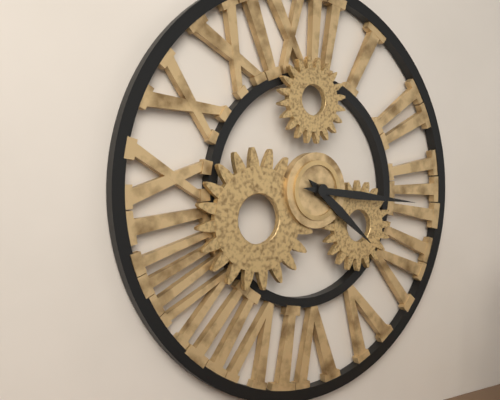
4:16
